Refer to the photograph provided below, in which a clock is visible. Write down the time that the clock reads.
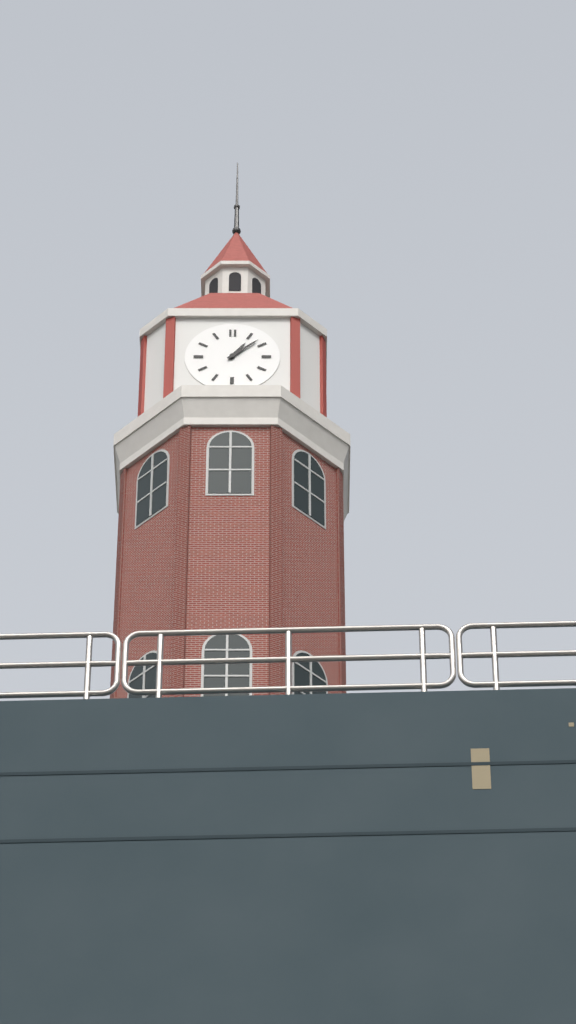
1:08
